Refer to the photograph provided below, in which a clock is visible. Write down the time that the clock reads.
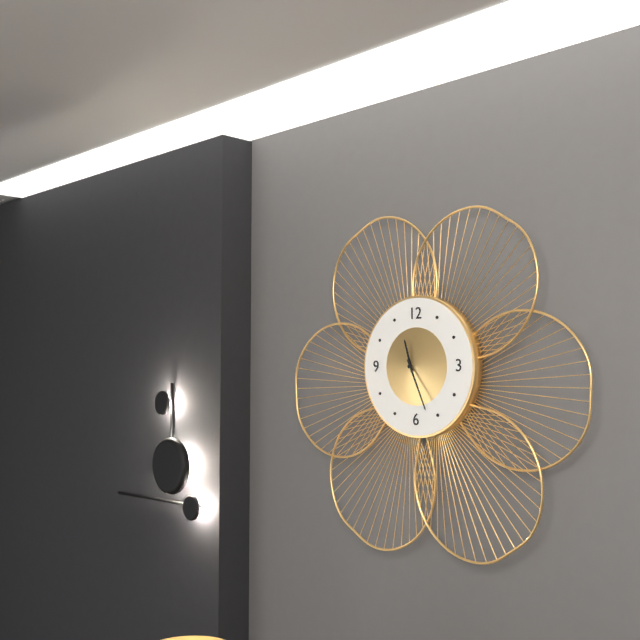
11:26
